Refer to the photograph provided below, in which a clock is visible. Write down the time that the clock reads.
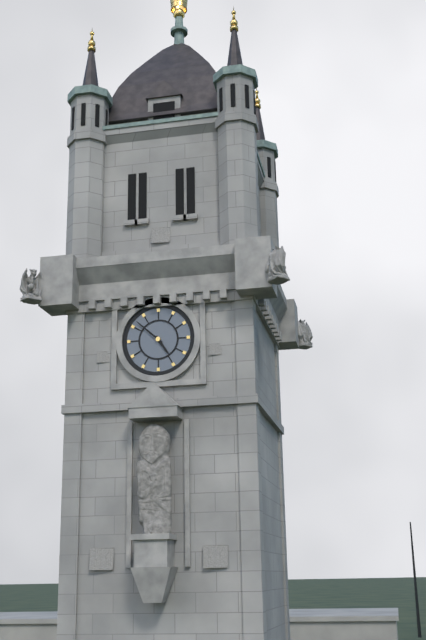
4:52
